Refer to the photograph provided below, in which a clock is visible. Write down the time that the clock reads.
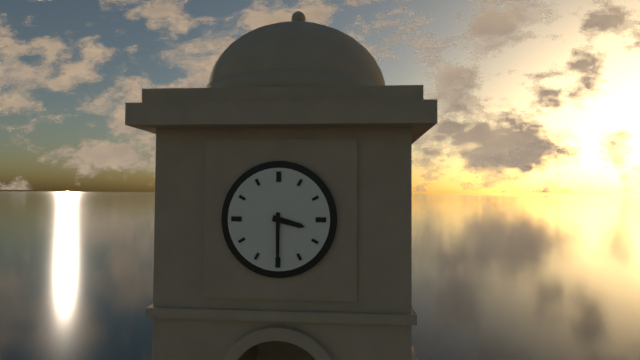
3:30
